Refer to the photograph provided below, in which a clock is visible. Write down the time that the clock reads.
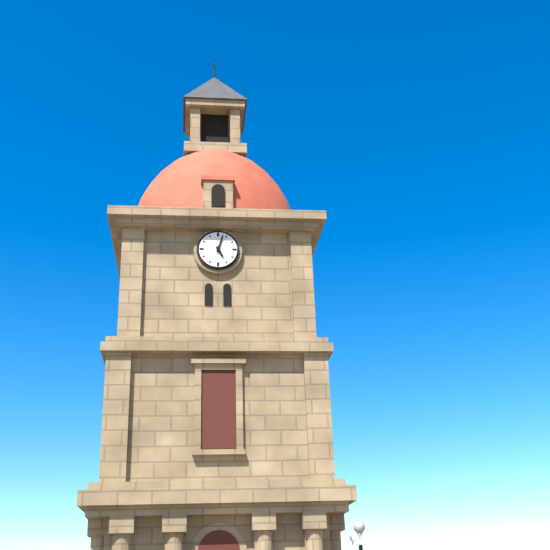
5:03
